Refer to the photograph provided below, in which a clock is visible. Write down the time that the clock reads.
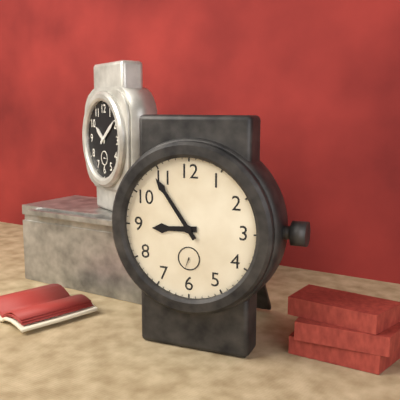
8:54
